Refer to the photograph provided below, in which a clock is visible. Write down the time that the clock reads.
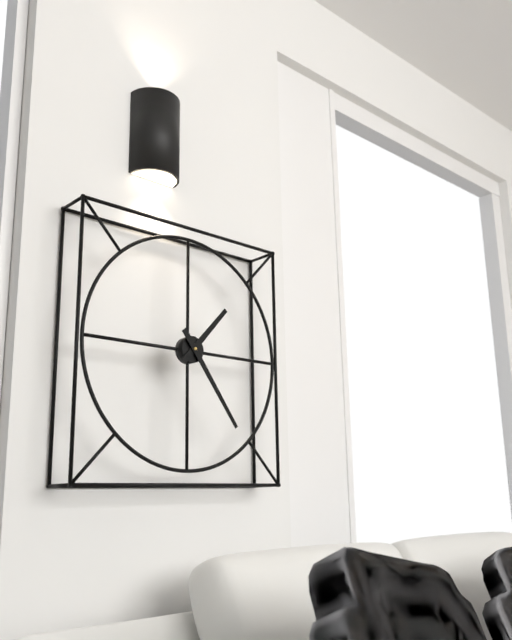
1:24
